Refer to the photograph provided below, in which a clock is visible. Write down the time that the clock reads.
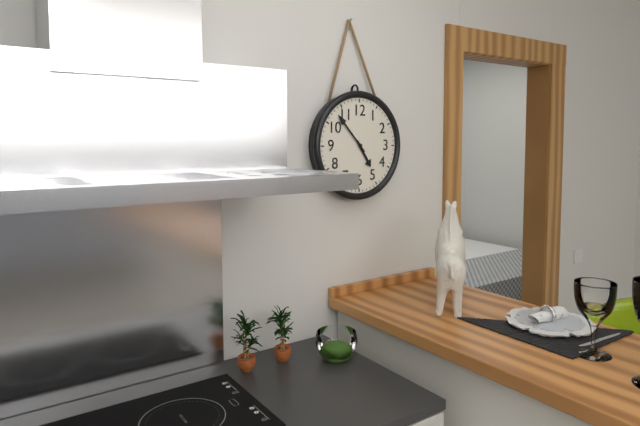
4:53
